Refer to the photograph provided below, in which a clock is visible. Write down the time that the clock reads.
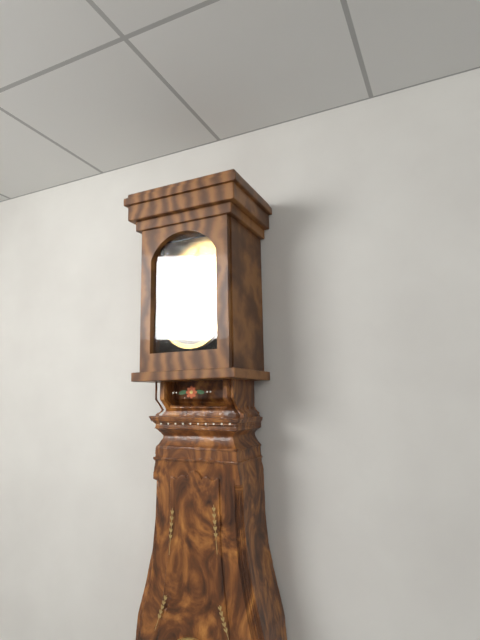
7:57
